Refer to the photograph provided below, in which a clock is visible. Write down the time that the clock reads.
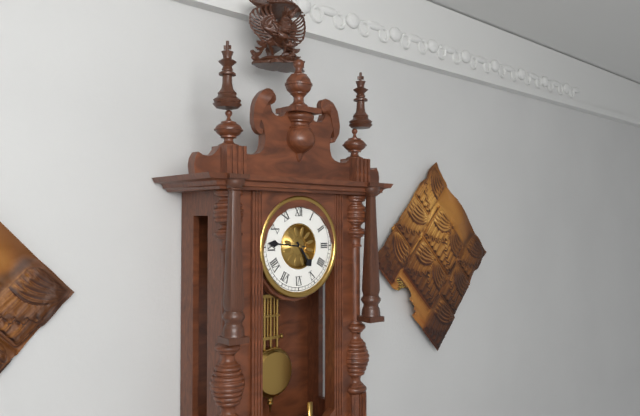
4:46
